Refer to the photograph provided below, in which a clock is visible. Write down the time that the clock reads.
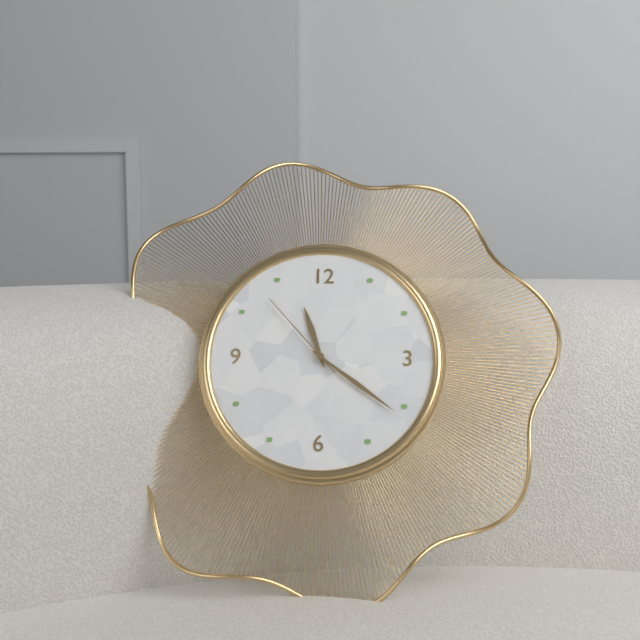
11:21:53
